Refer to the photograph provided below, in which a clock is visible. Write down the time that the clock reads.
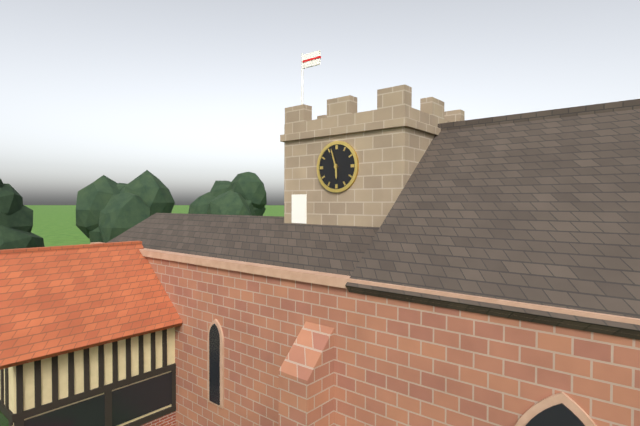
5:57
